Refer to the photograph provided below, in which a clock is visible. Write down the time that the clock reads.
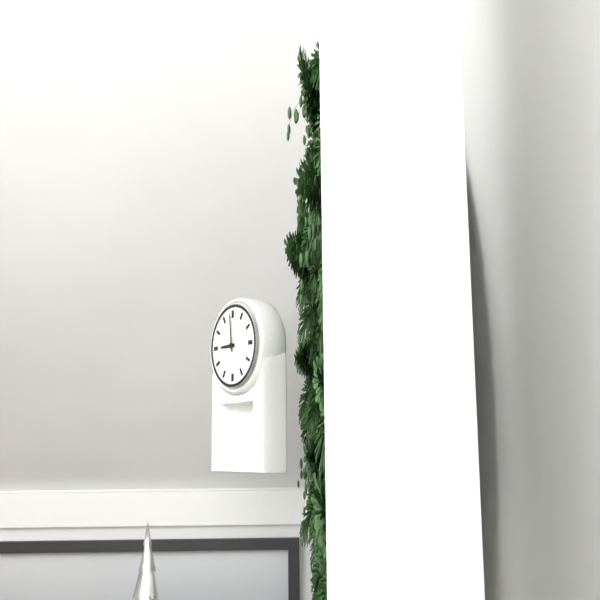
8:59
